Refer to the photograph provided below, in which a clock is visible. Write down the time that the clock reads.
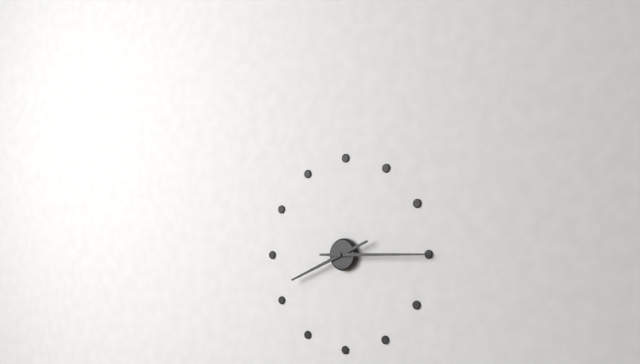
8:15
